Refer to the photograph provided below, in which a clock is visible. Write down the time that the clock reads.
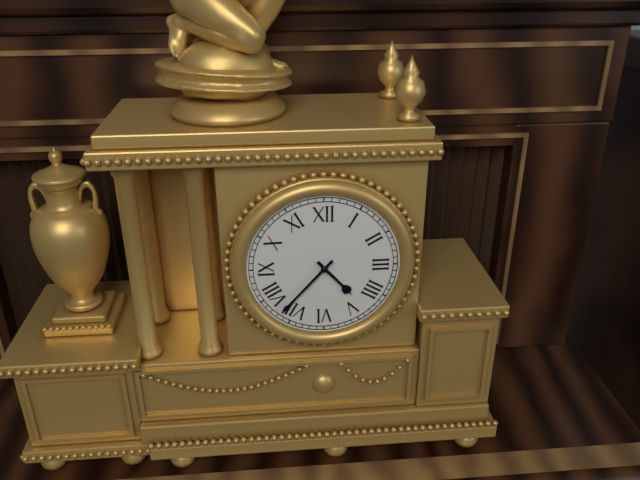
4:37
